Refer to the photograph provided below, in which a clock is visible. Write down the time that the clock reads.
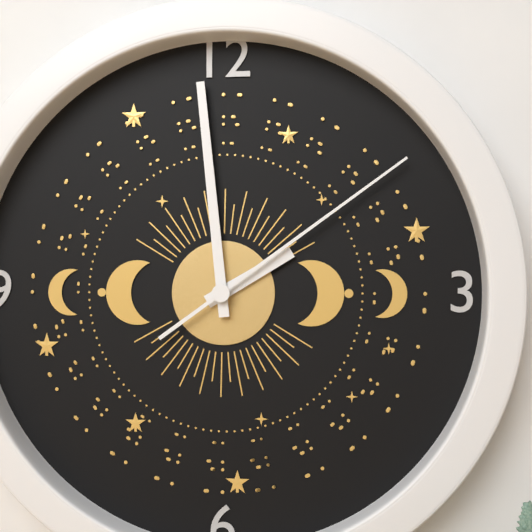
1:59:09
